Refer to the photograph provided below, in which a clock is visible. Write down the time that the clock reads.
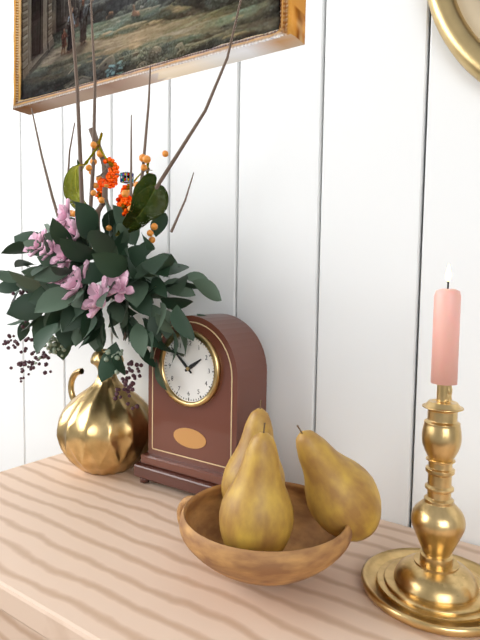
1:52
